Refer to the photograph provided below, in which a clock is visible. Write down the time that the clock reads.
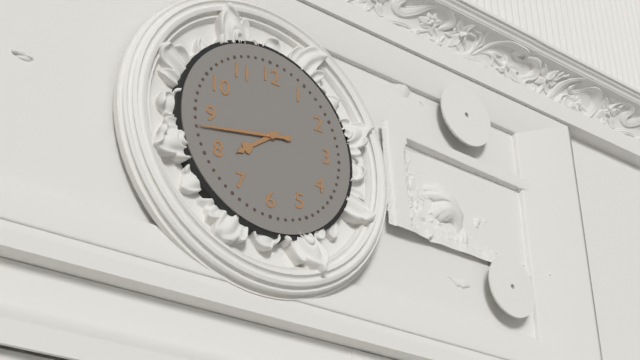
7:43
